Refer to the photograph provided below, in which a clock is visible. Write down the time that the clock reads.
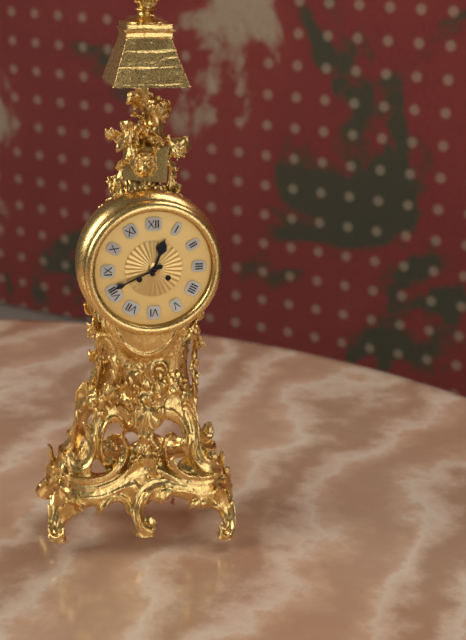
12:41
